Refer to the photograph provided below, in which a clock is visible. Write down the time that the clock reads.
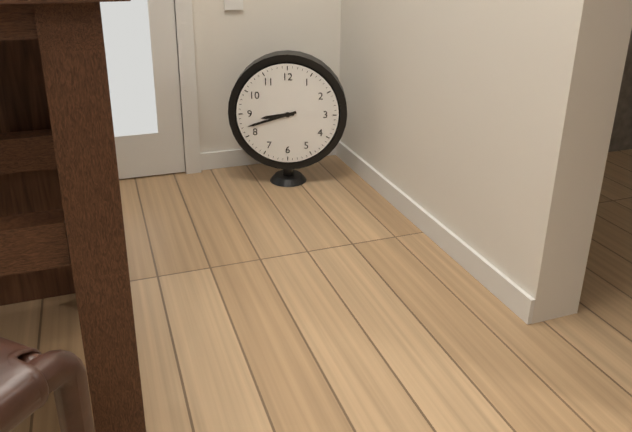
8:42
